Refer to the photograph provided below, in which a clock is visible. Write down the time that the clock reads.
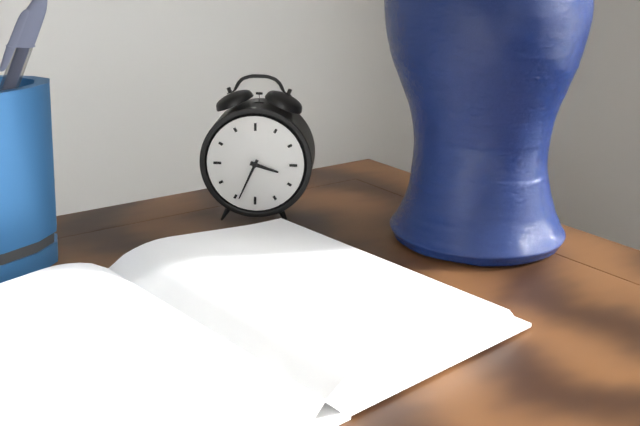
3:34
